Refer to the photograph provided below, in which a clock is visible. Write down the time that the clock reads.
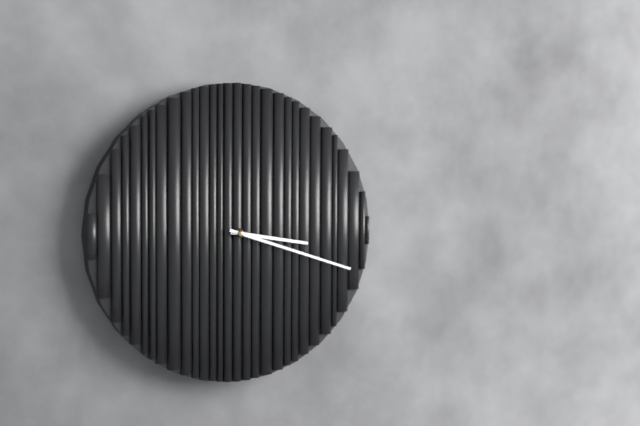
3:18
